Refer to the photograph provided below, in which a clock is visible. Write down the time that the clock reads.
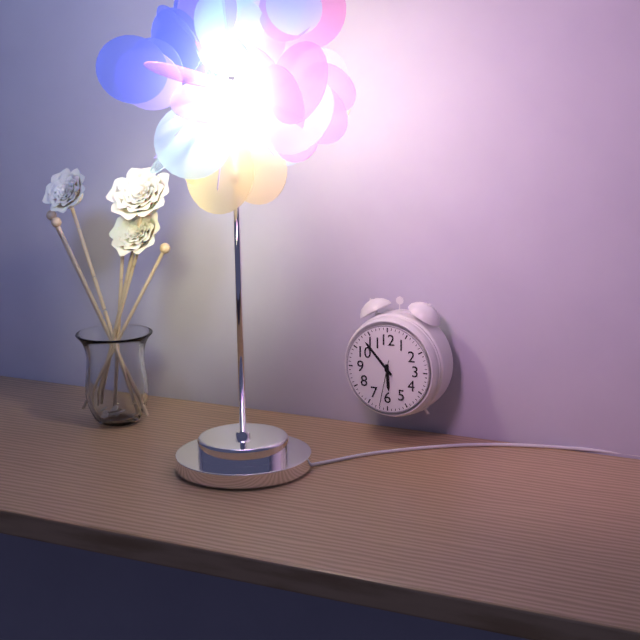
5:53
